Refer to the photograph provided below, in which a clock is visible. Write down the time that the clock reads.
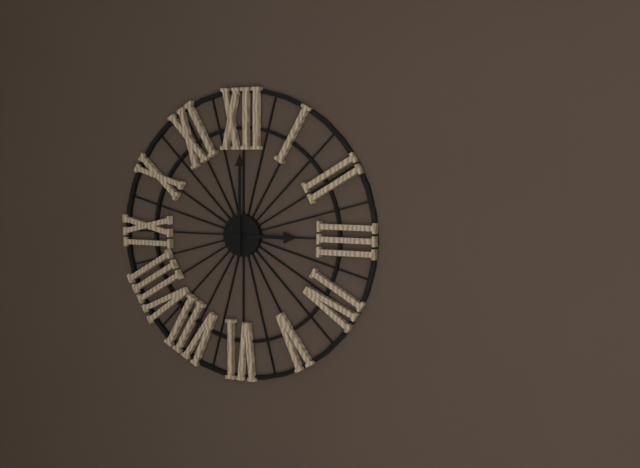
3:00
